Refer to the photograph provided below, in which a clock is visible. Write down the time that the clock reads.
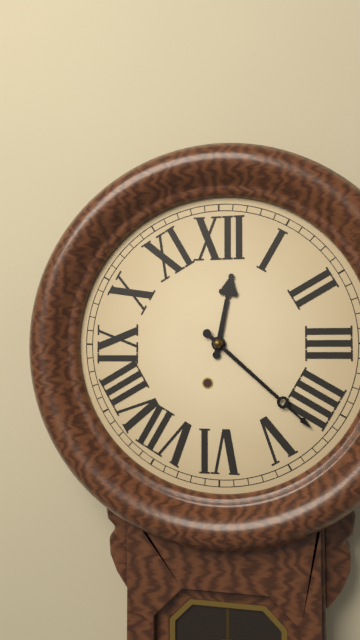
12:22
